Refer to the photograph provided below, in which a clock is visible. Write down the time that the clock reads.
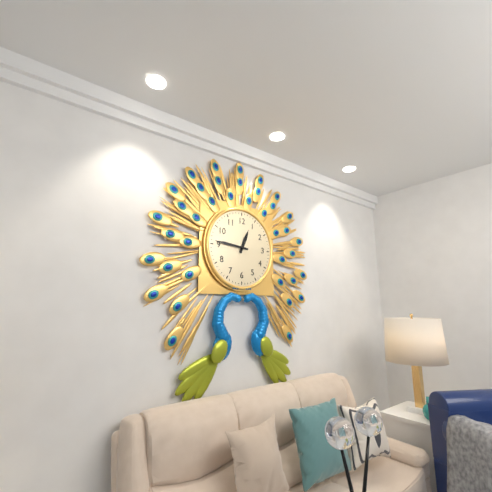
12:46
